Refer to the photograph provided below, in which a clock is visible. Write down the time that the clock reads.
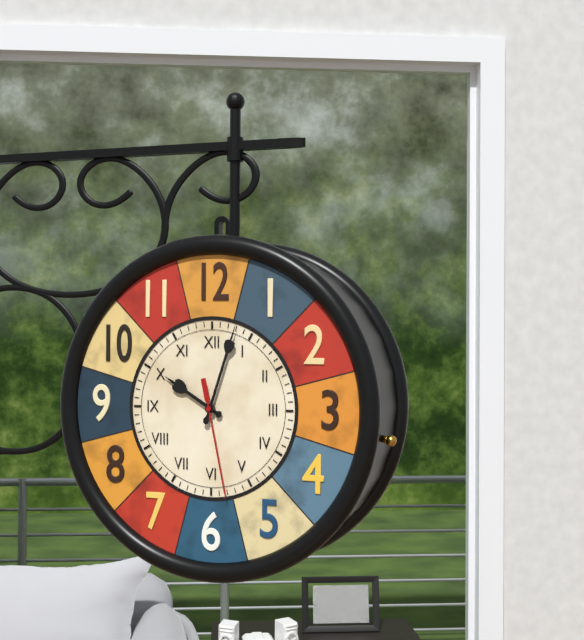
10:03:28
